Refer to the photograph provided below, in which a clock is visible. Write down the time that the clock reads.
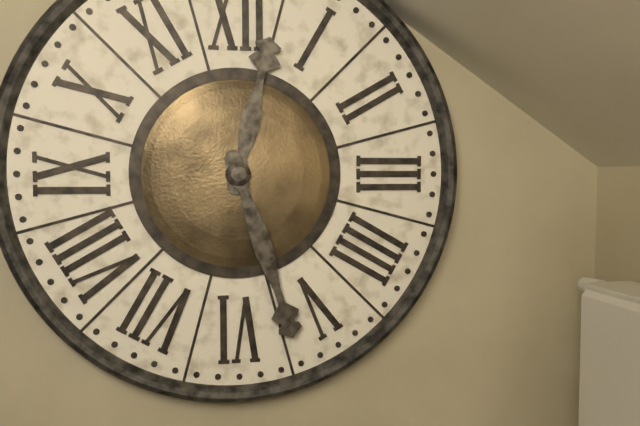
12:27
